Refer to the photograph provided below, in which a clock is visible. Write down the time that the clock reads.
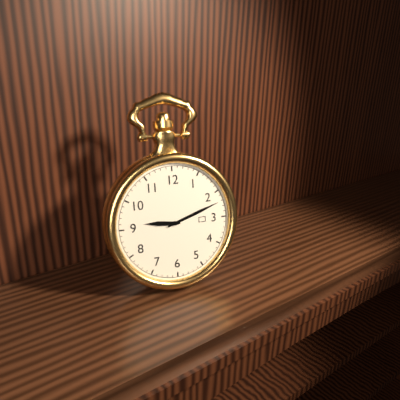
9:12
